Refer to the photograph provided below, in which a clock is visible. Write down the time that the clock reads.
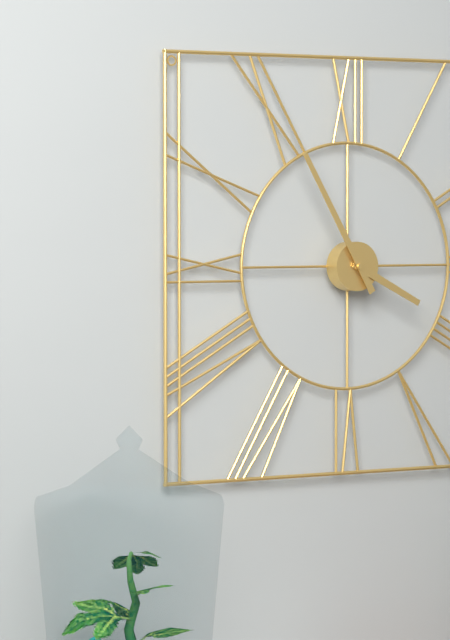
3:55
